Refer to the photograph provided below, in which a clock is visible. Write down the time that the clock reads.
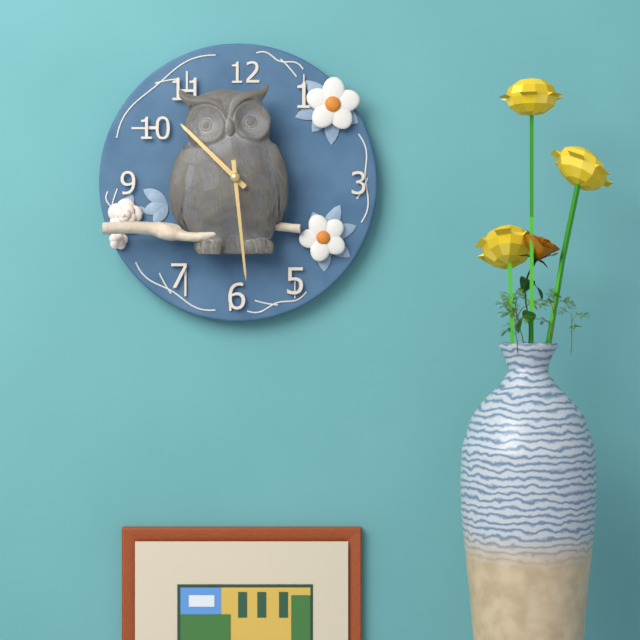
10:29
